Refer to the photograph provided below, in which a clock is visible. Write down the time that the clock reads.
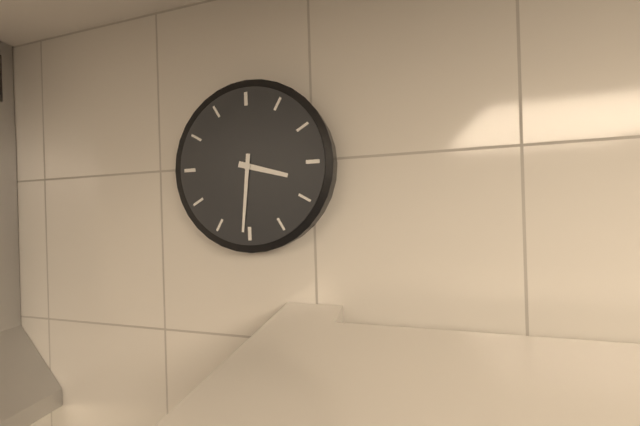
3:31
